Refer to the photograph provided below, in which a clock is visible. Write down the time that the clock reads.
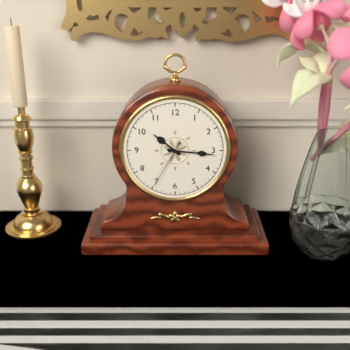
10:16:35
